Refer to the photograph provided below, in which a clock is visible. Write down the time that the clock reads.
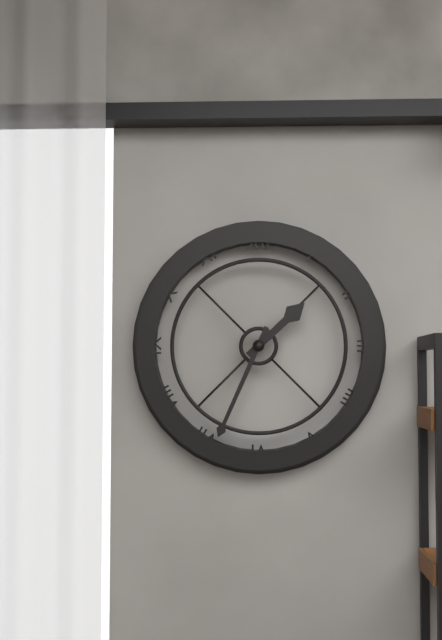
1:34
